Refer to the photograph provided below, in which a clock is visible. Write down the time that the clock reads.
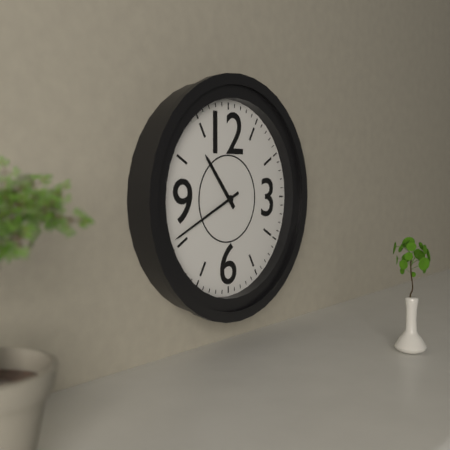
10:41
